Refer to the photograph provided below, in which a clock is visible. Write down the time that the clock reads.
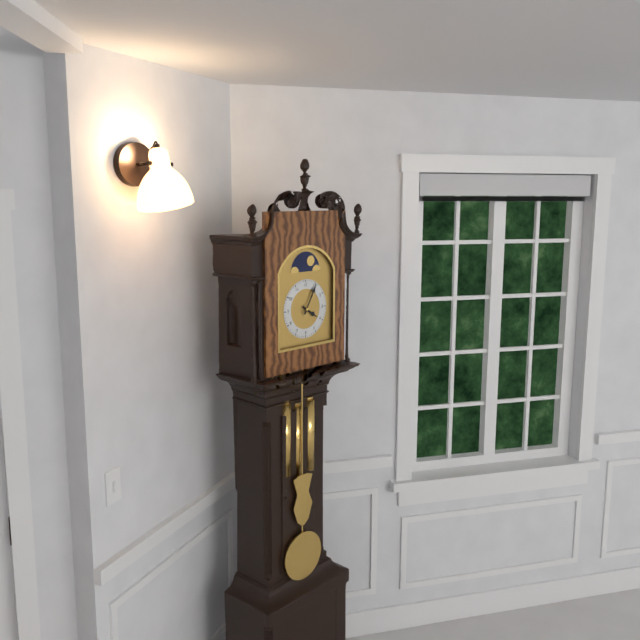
4:05
